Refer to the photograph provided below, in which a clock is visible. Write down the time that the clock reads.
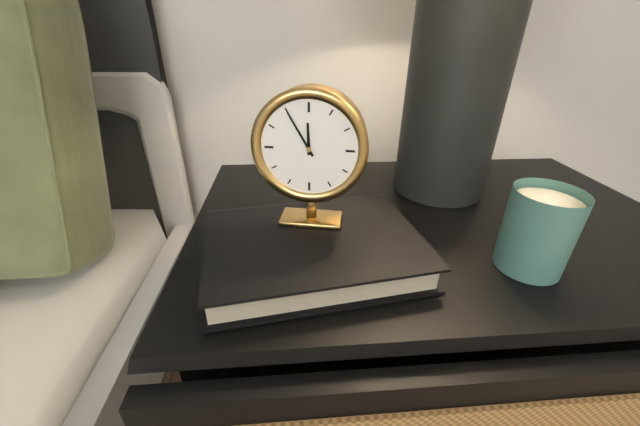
11:55
